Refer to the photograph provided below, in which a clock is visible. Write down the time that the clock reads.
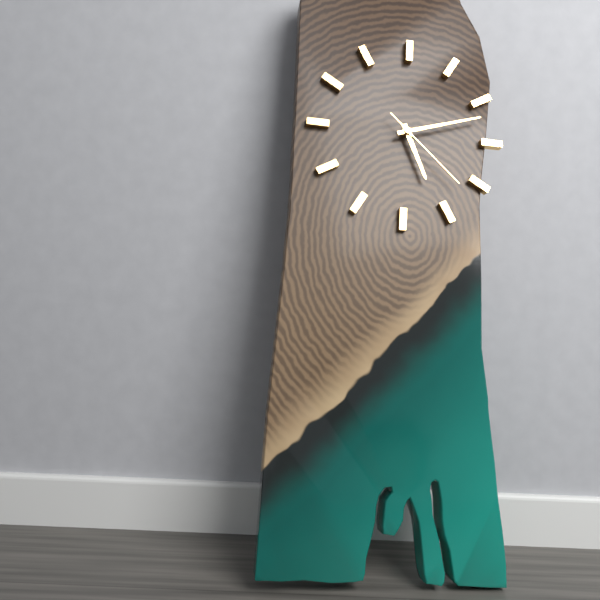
5:12:22
